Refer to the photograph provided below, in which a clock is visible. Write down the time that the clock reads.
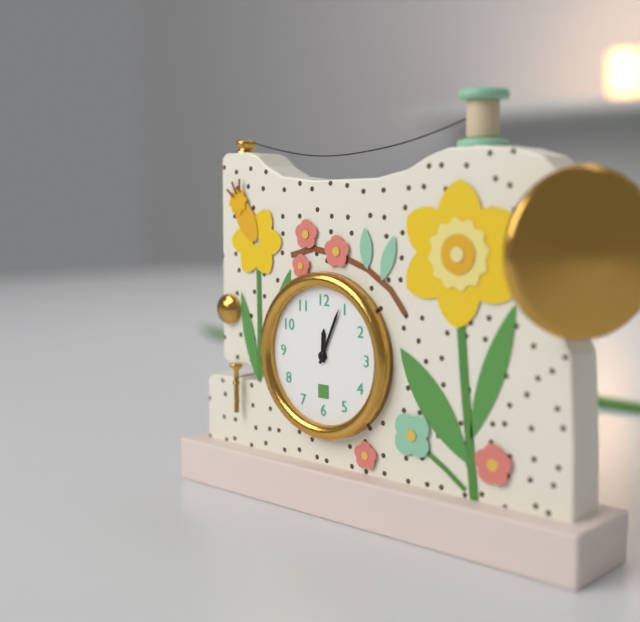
12:04
